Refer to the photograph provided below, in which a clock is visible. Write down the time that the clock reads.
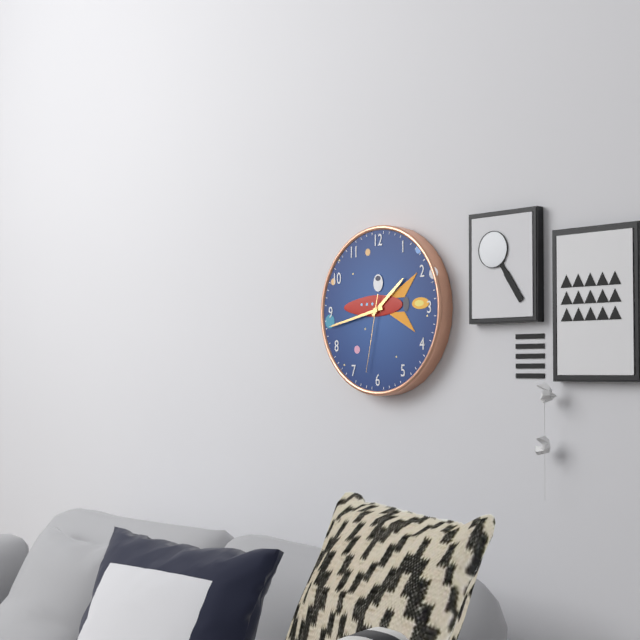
1:43:32
